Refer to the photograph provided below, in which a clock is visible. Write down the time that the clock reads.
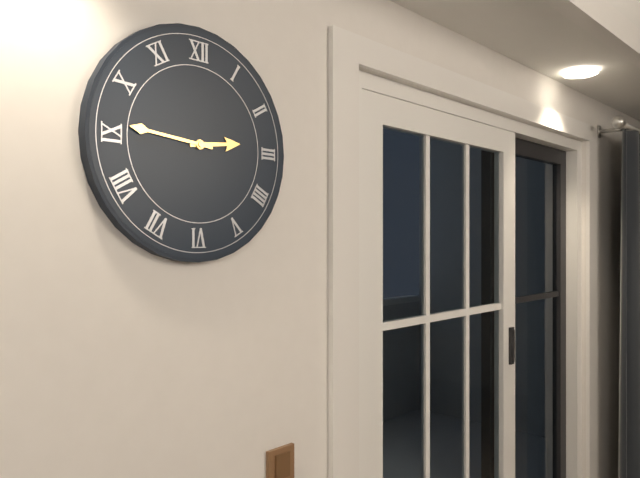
2:46
